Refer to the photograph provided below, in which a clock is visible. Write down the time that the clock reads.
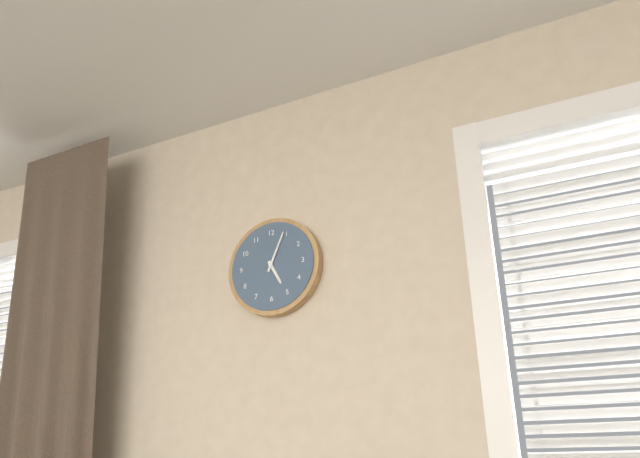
5:04
